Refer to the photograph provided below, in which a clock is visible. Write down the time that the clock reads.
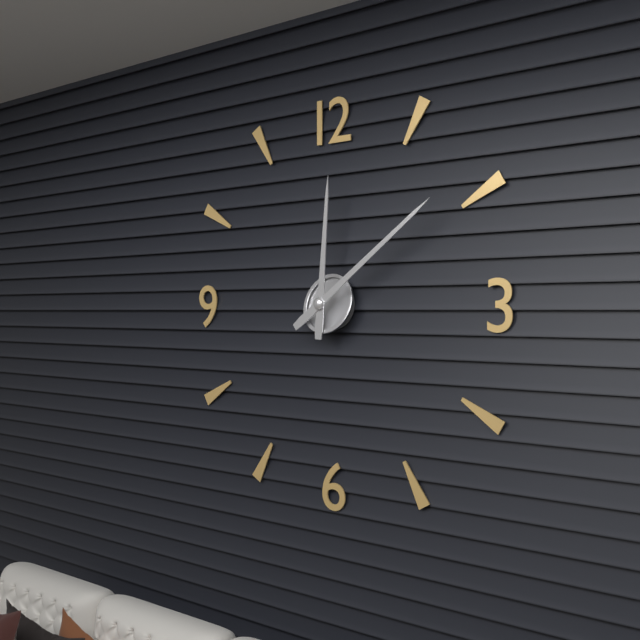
12:09
